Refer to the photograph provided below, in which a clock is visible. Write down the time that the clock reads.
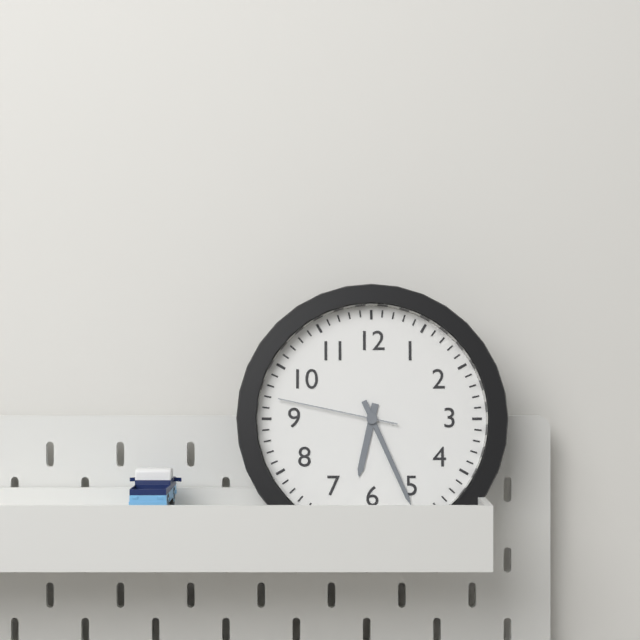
6:26:47
